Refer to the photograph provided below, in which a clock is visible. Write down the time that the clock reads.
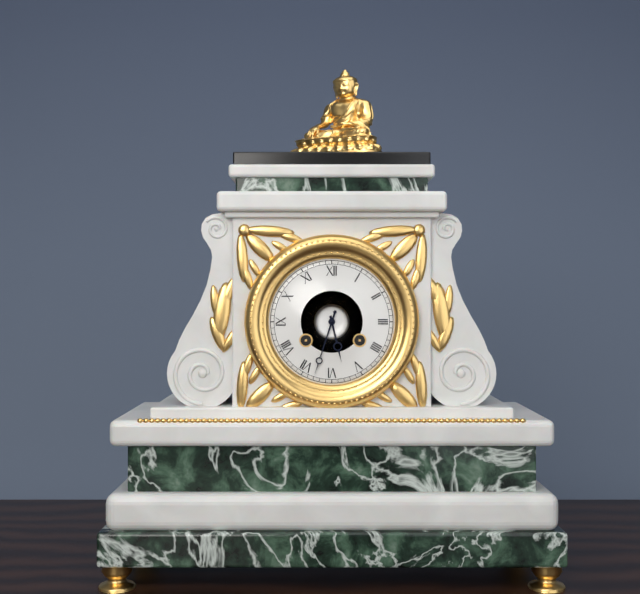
5:33
